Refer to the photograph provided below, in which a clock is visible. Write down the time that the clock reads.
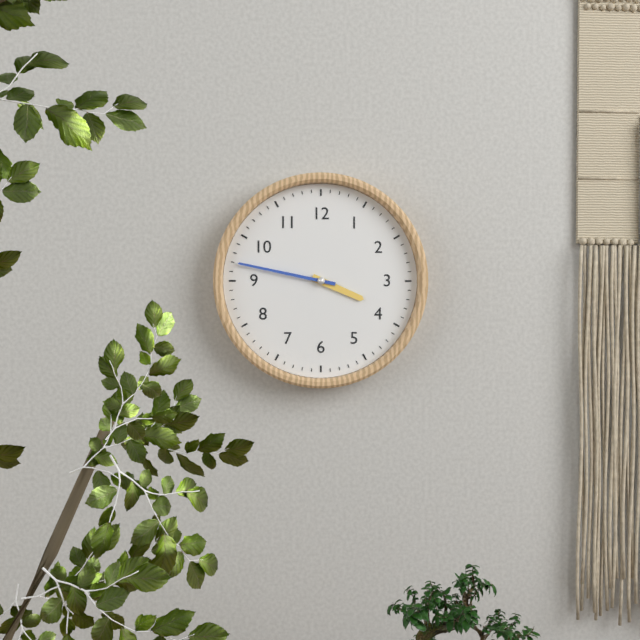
3:47
